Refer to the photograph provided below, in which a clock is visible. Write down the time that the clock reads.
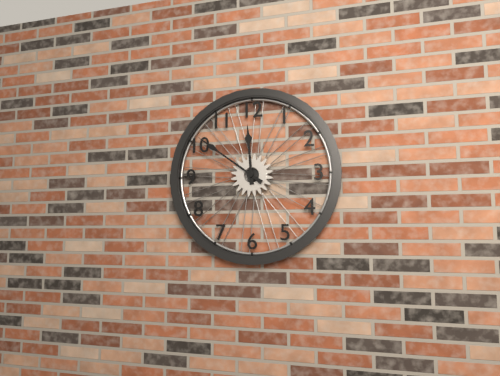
11:51
